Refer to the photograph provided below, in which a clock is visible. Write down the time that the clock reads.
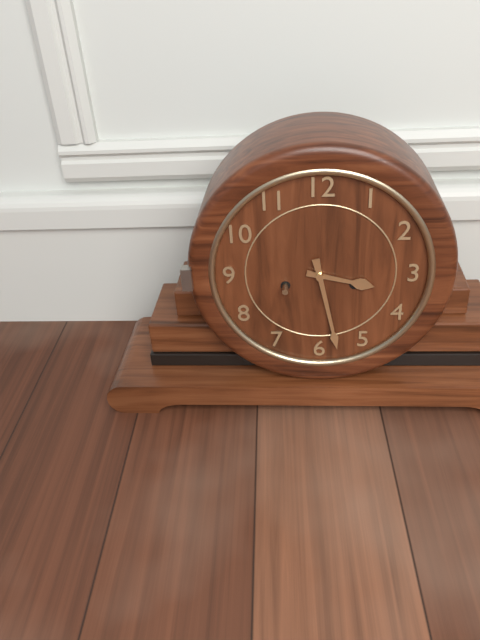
3:28
